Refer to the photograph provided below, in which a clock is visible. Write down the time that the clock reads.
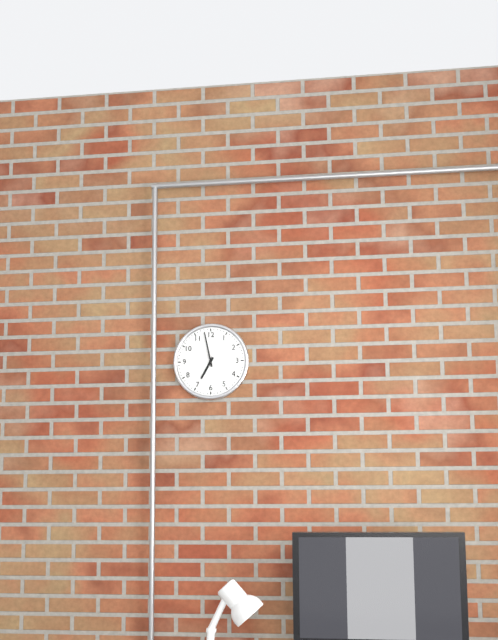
6:58
